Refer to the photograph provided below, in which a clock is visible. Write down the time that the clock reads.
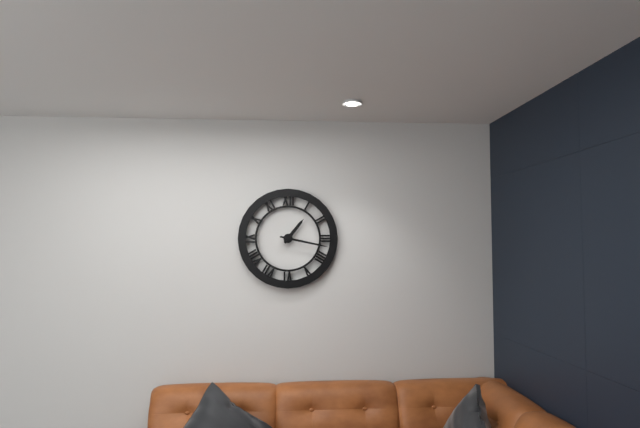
1:17
